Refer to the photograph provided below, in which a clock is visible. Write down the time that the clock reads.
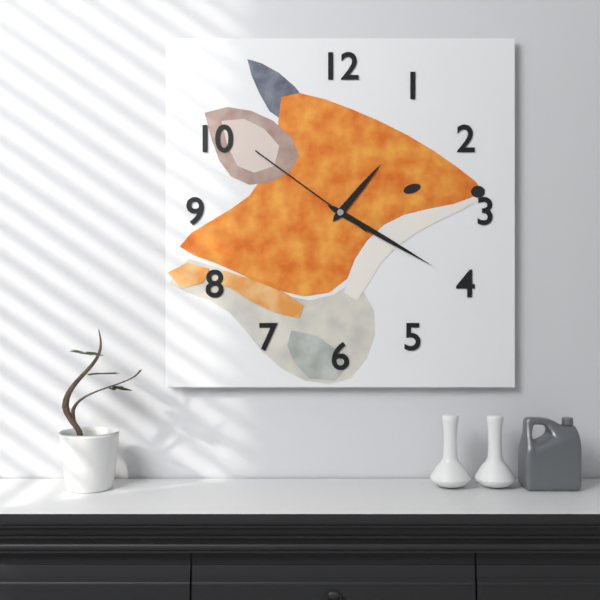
1:20:51
